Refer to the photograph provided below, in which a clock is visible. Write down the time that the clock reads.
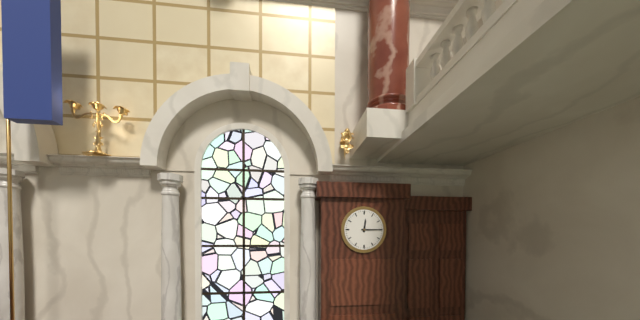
12:15
